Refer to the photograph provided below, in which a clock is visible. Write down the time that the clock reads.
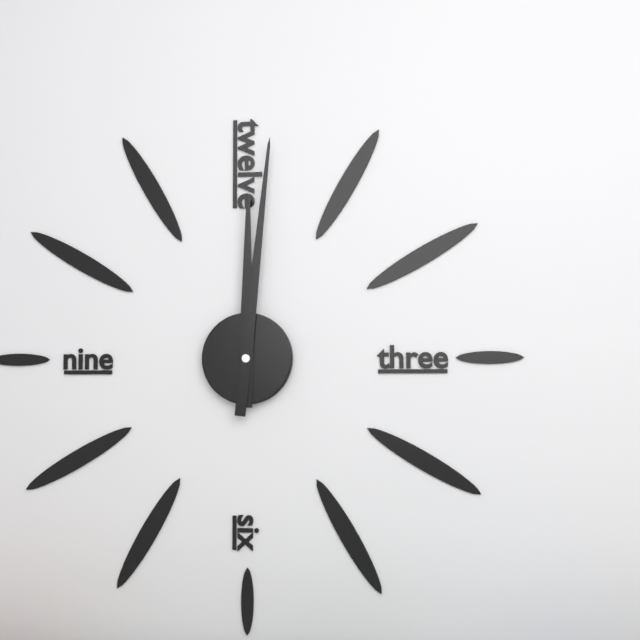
12:01
